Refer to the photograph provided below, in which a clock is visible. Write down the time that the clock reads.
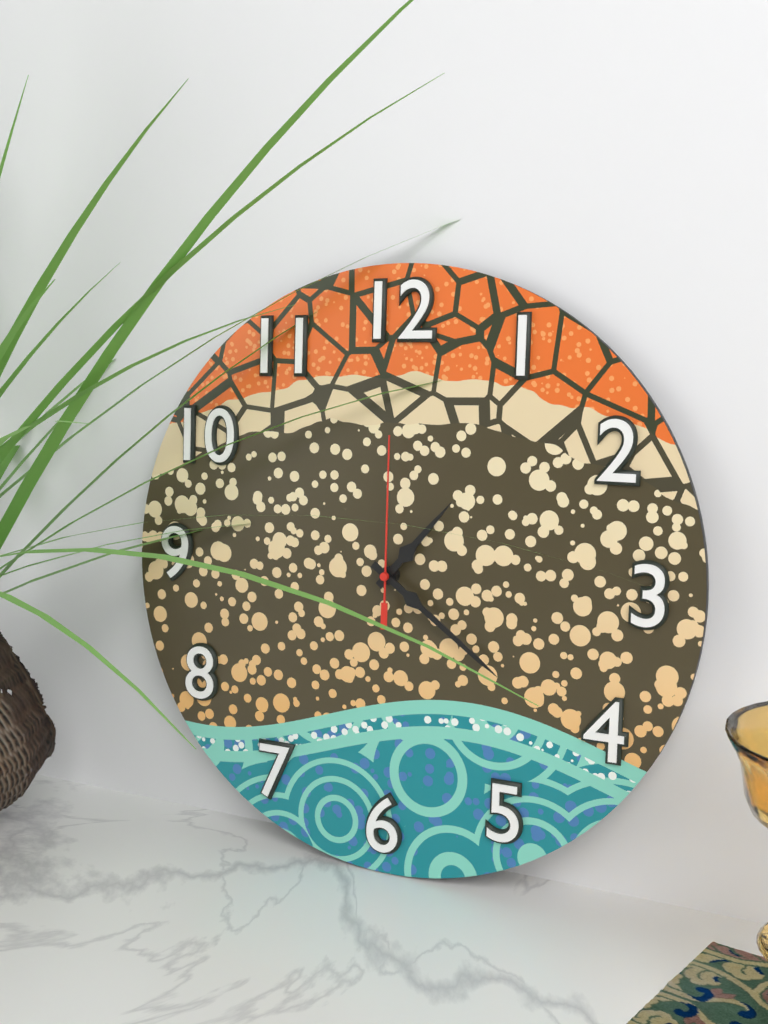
1:21:00
